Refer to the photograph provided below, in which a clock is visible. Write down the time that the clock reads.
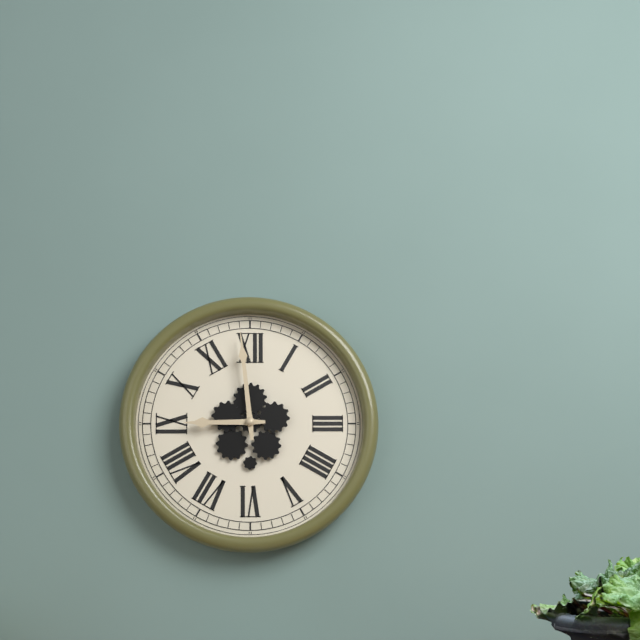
8:59
